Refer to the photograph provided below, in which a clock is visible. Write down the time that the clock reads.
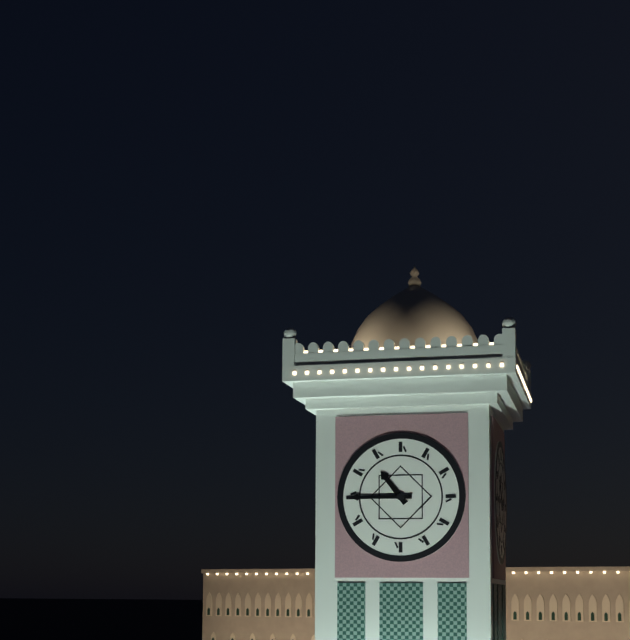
10:45
